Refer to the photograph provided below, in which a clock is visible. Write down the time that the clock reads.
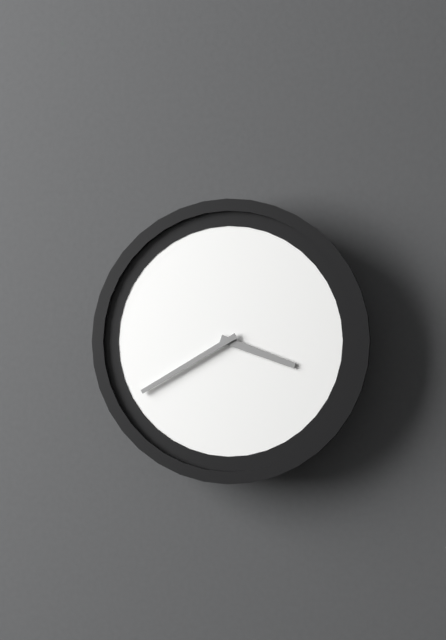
3:40
